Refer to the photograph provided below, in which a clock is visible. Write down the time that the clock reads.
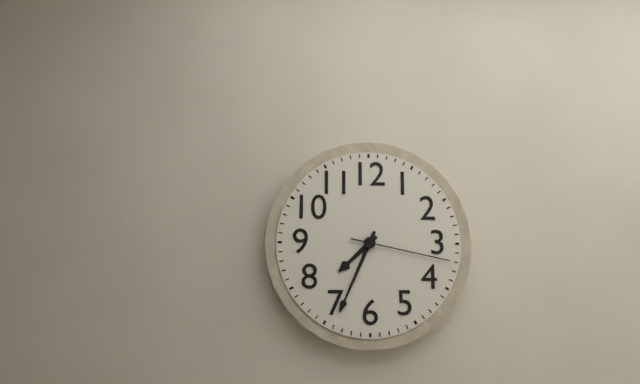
7:34:17
